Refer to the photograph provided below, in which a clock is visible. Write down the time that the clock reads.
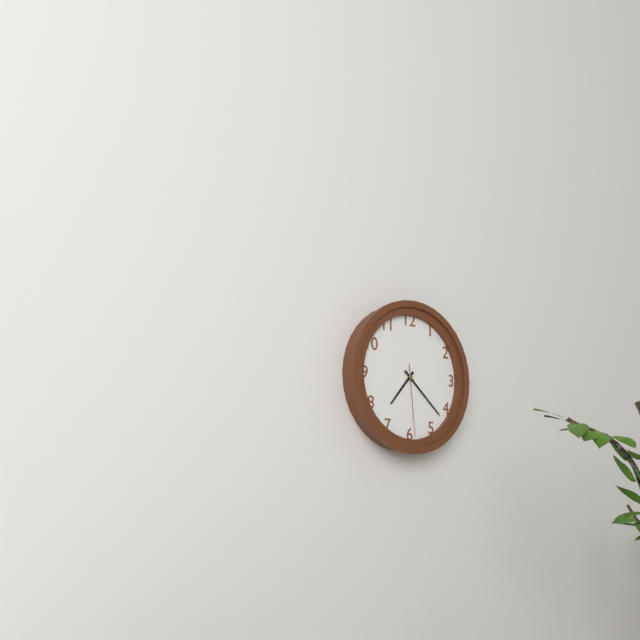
7:22:29
